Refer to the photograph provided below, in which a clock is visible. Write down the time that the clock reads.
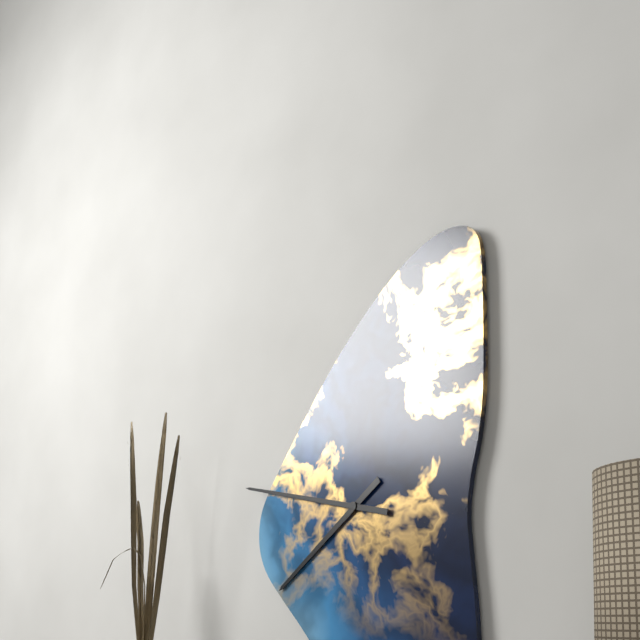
7:47
